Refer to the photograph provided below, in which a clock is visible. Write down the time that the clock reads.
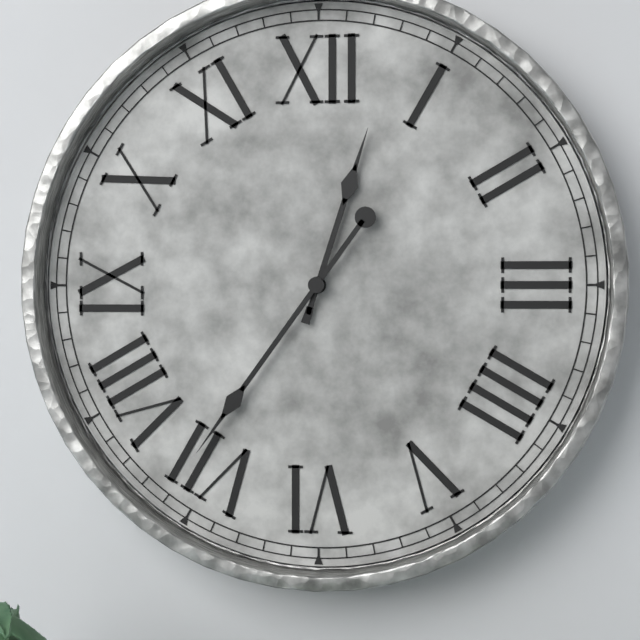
12:36
